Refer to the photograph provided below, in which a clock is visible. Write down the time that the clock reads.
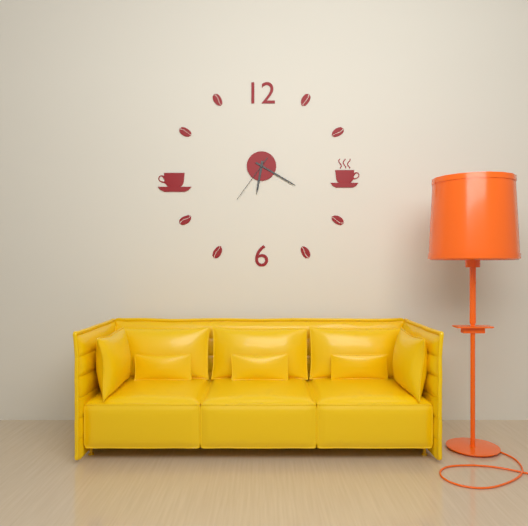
6:20:36
